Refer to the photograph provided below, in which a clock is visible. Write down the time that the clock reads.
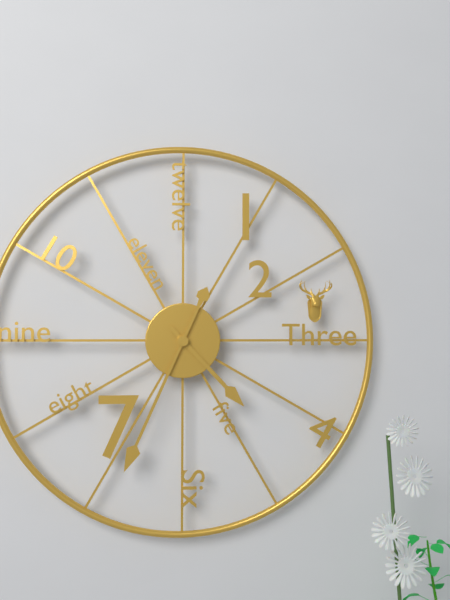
4:34
